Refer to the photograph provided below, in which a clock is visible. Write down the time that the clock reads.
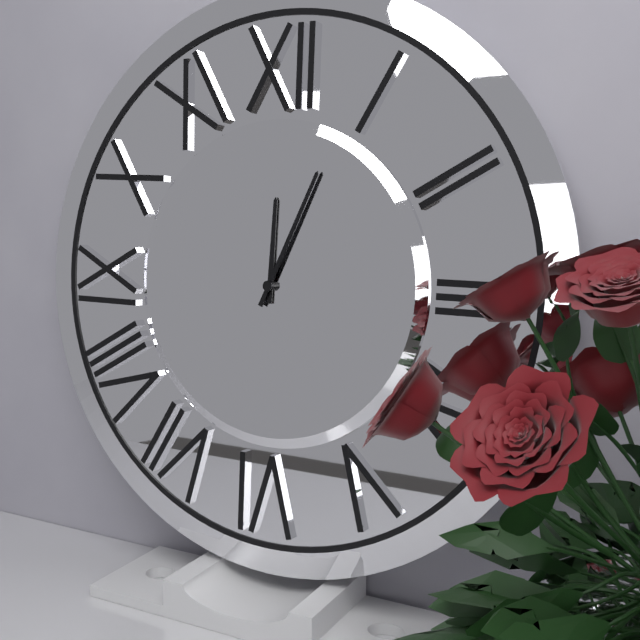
12:04
